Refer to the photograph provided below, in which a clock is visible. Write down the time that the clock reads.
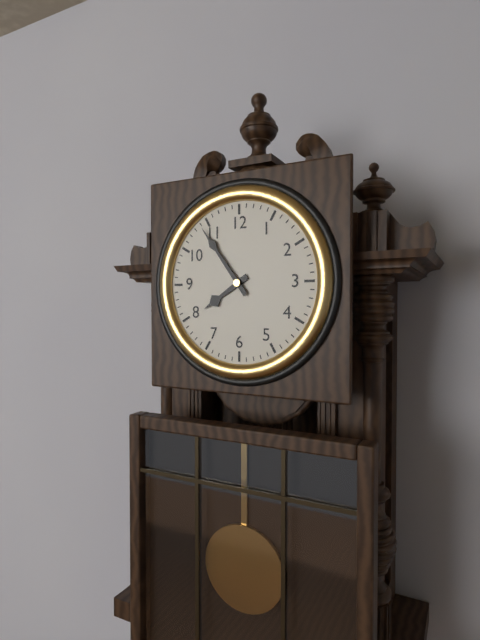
7:54
